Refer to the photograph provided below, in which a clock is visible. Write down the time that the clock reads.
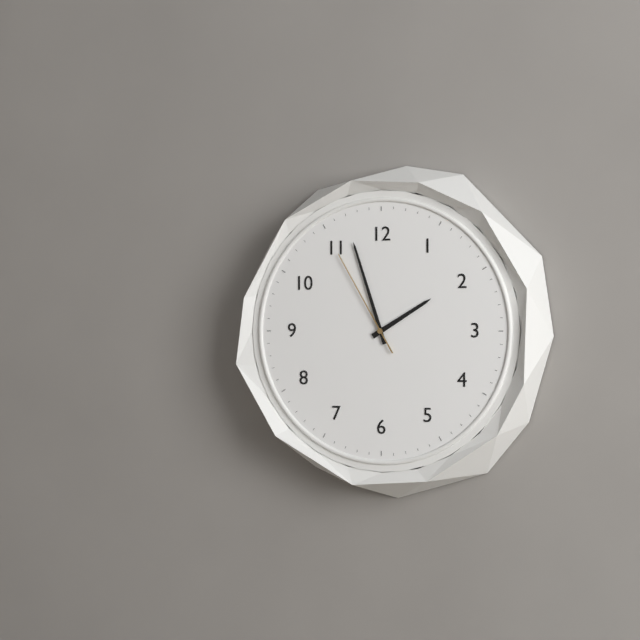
1:57:55
